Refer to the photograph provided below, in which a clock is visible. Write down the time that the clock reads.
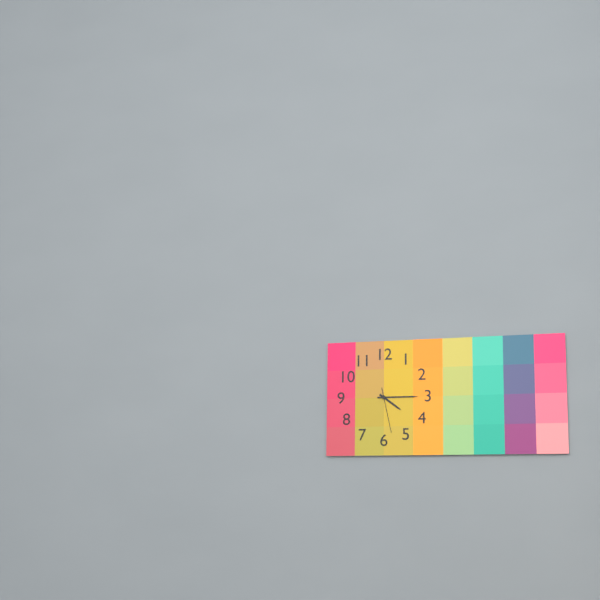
4:15
